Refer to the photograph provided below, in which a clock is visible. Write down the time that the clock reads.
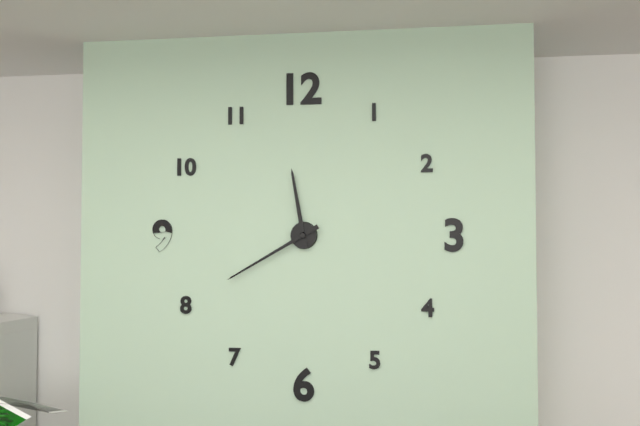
11:40
